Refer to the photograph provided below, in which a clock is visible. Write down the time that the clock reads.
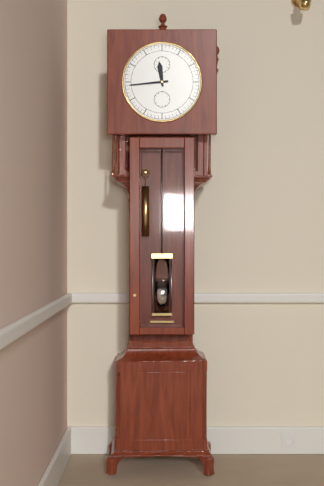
11:44
